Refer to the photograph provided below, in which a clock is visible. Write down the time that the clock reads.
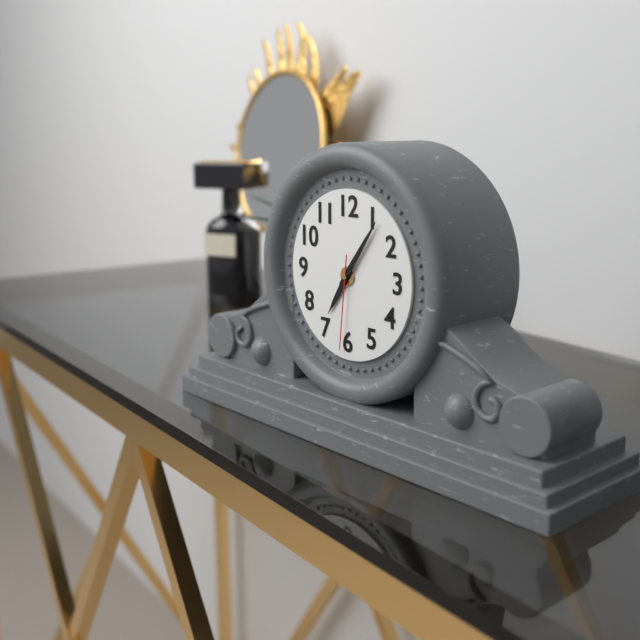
7:06:31
